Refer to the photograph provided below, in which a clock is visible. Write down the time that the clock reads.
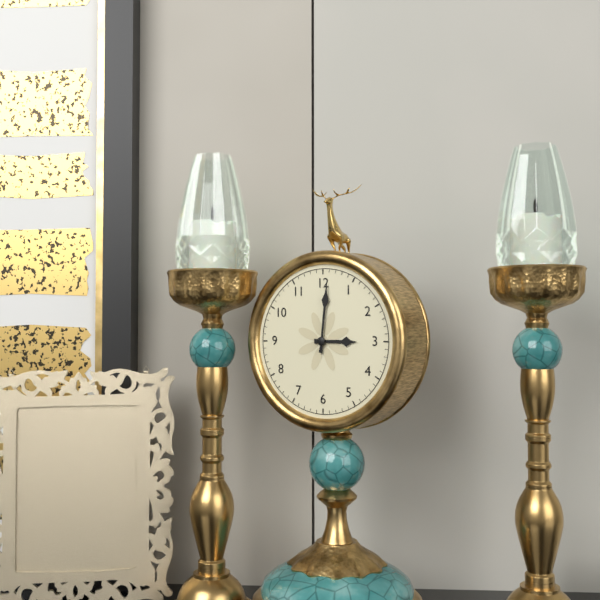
3:01
